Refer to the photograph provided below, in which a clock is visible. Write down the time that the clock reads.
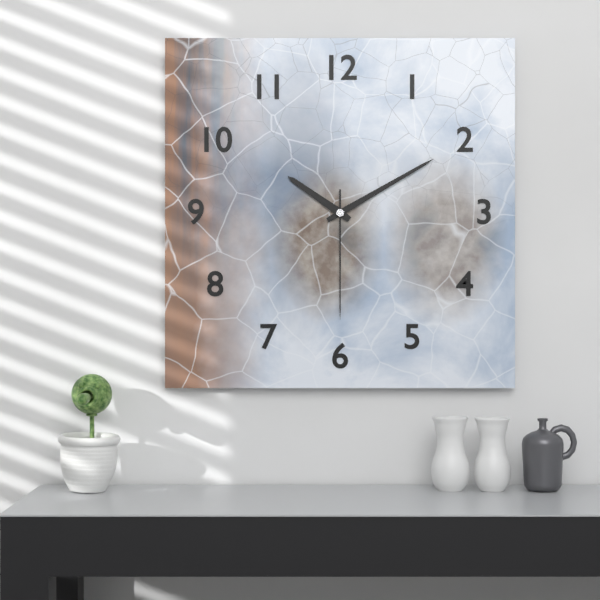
10:10:30
